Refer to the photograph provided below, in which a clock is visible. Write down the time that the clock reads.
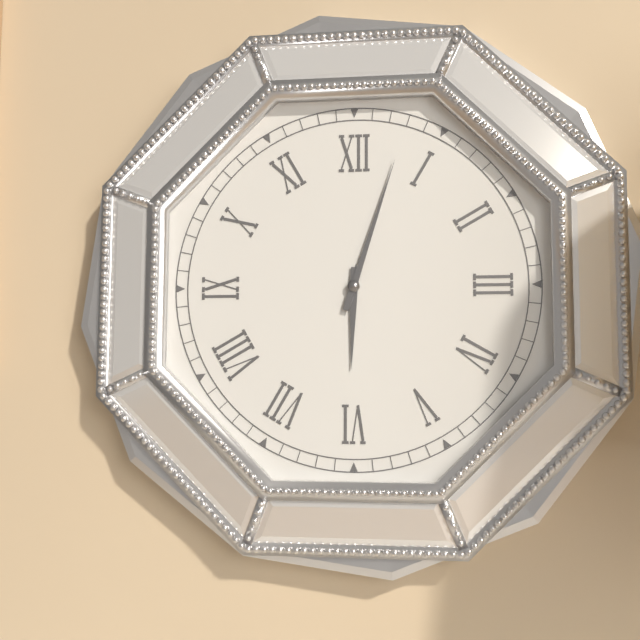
6:03
